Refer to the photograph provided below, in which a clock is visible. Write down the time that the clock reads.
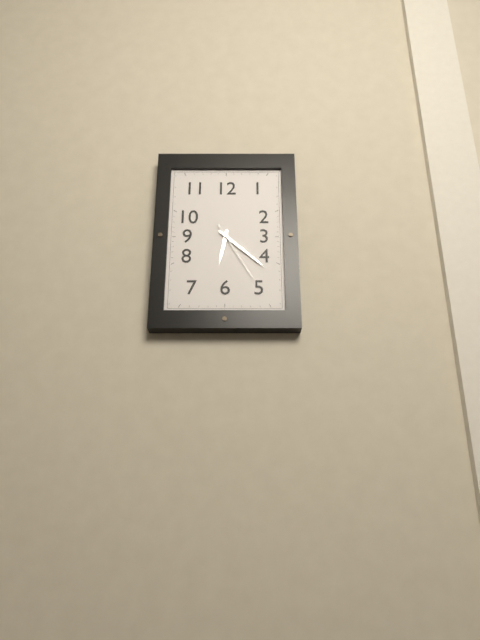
6:22:25
